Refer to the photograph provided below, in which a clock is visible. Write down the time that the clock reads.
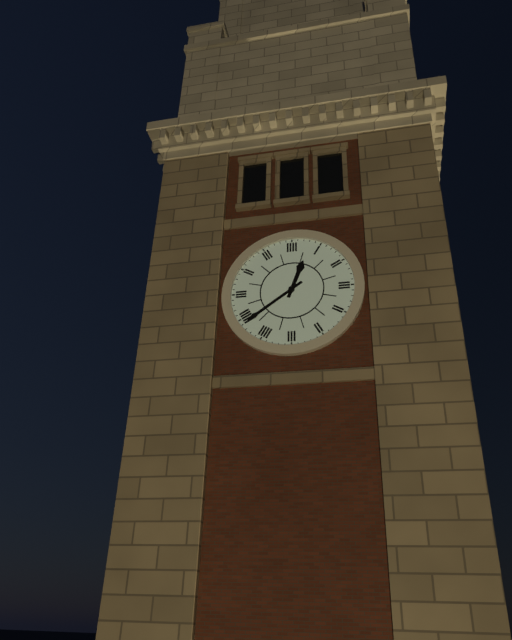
12:39
